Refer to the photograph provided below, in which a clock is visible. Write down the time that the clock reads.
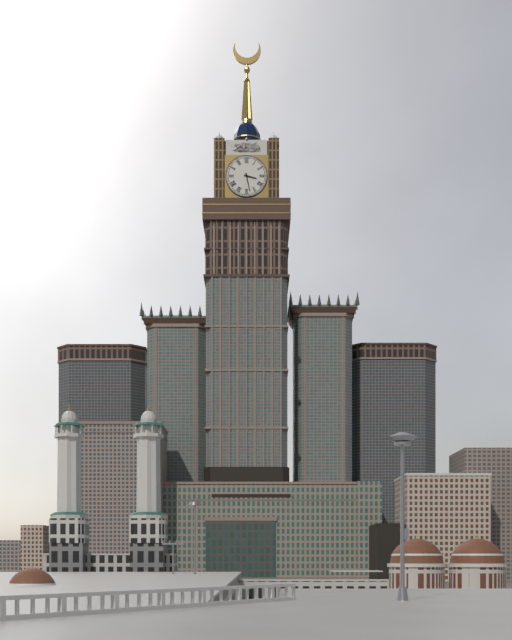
3:28
